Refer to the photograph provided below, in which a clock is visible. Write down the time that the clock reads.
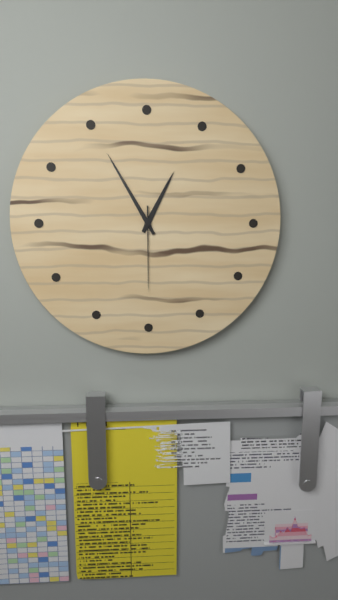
12:55:30
